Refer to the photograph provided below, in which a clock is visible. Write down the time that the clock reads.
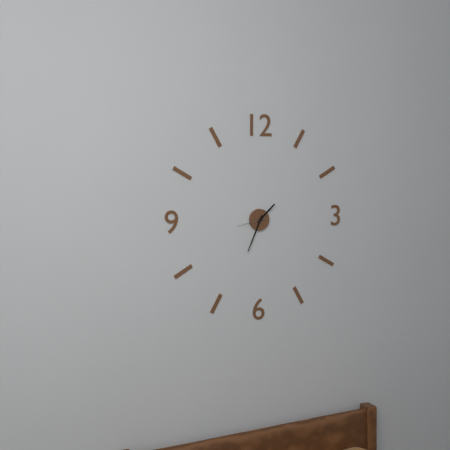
1:34
